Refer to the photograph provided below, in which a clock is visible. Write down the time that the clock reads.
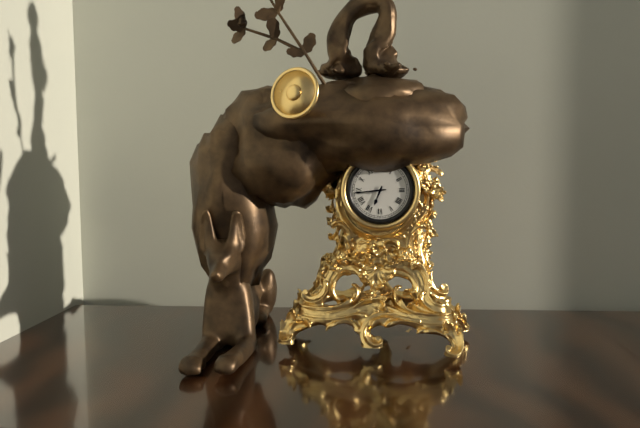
6:44
